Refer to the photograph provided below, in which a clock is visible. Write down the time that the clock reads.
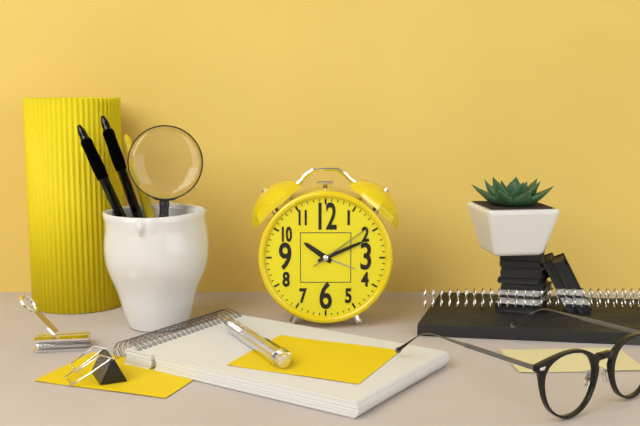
10:11:09
